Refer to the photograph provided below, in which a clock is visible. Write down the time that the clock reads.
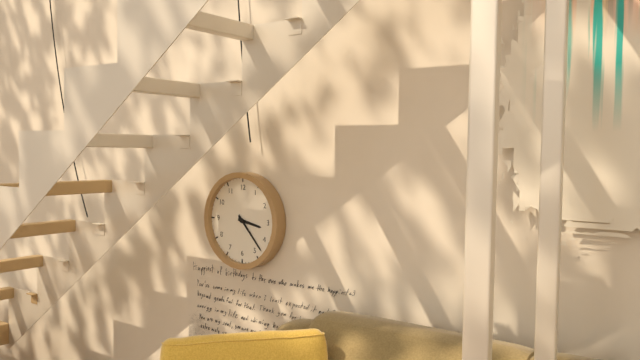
3:23
